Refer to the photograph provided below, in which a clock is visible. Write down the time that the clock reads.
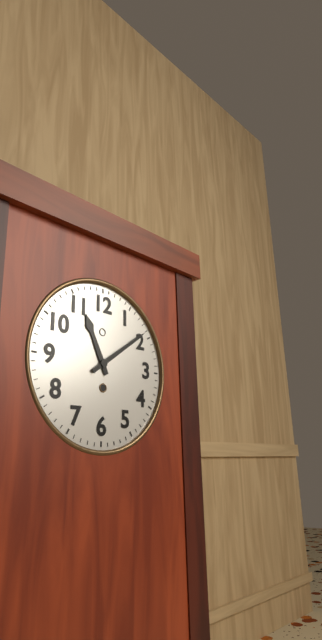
11:09
